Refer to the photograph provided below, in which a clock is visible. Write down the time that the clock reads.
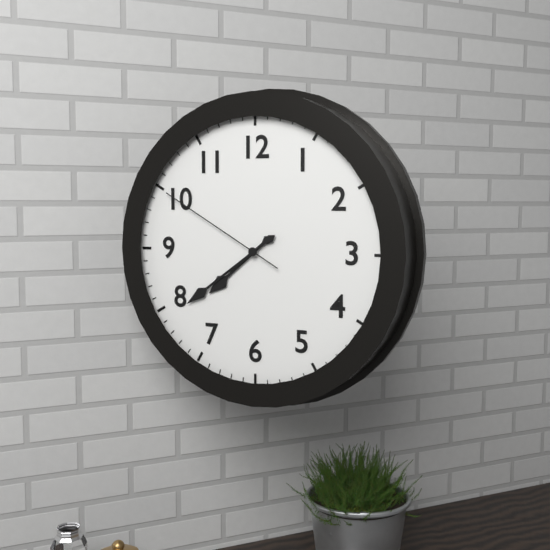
7:39:50
